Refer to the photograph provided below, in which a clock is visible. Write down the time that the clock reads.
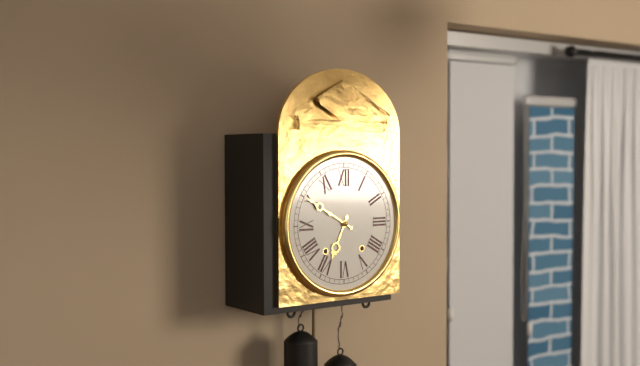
6:50
